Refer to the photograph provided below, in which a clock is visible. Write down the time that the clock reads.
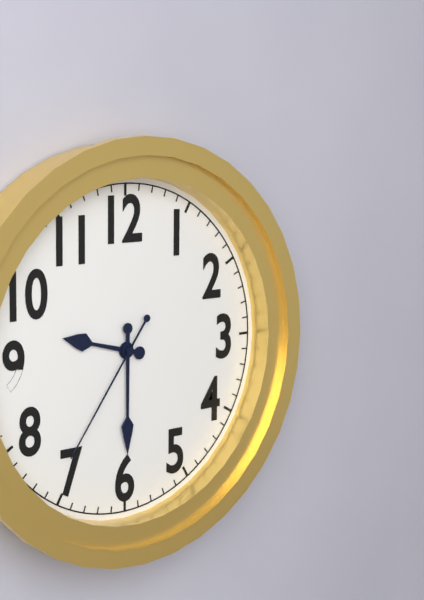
9:30:36
